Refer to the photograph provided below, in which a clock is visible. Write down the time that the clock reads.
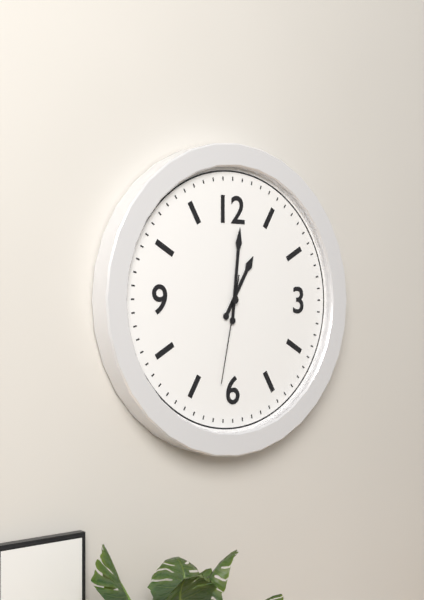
1:01:32
